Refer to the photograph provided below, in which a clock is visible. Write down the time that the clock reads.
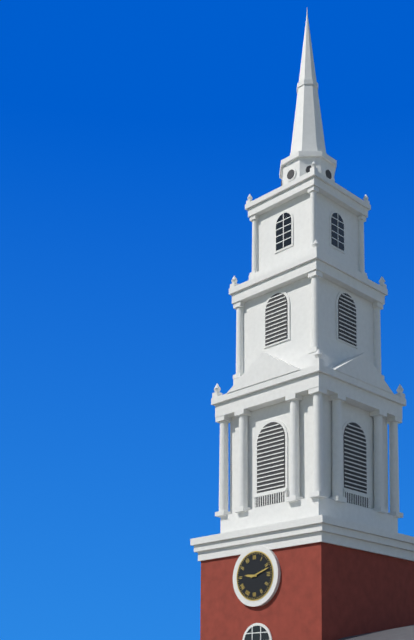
9:12
